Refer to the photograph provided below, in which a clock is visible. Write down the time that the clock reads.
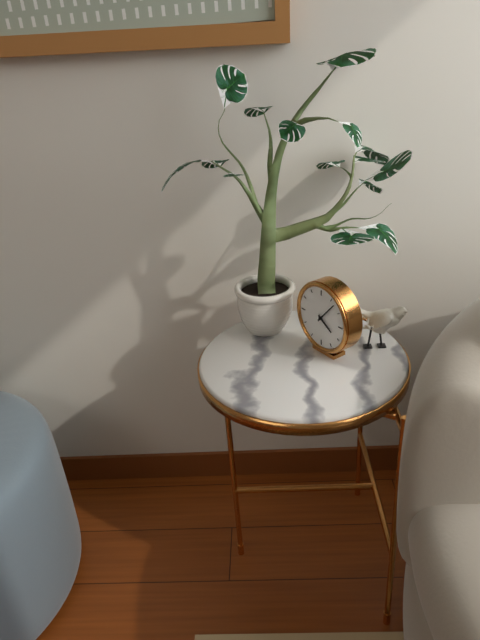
4:07
